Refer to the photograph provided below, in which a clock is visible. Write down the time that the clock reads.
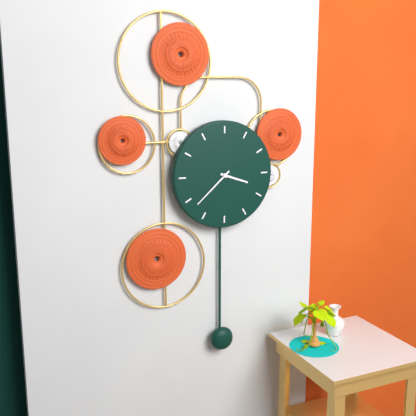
3:38
